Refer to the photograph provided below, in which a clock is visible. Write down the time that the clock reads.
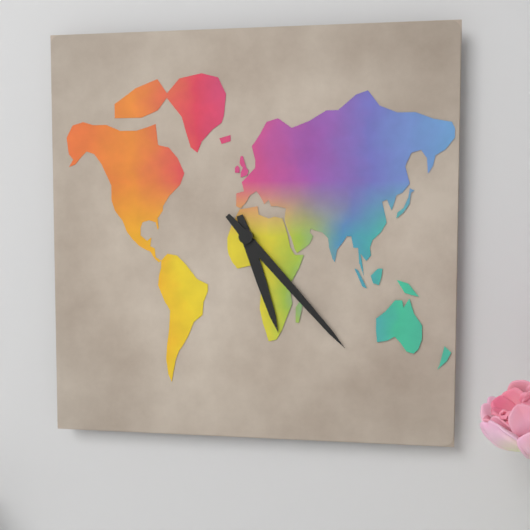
5:23
